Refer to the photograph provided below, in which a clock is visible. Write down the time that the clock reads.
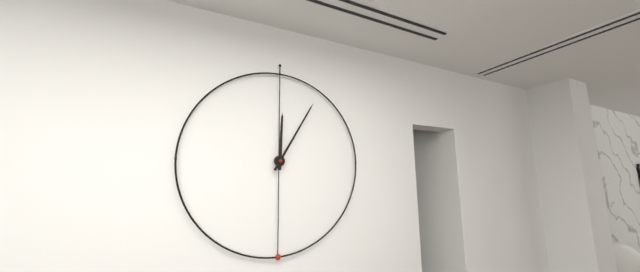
12:05
